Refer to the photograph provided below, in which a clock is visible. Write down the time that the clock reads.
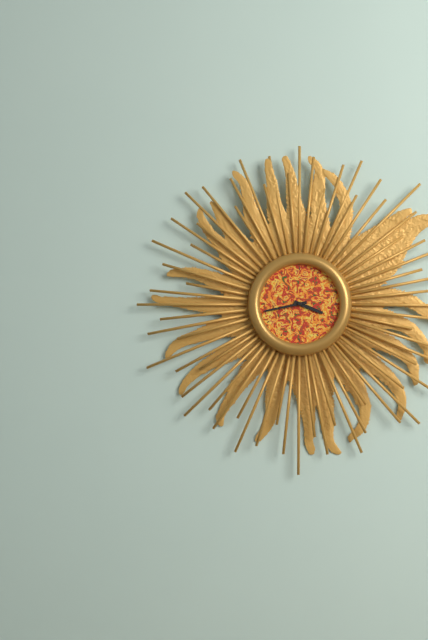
3:43
